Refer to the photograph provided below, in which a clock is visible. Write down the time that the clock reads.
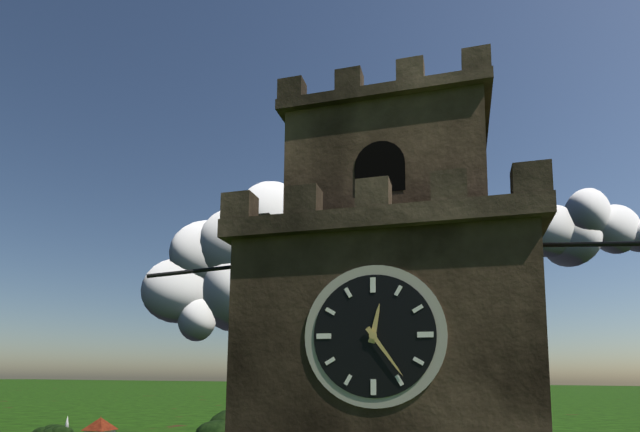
12:24
